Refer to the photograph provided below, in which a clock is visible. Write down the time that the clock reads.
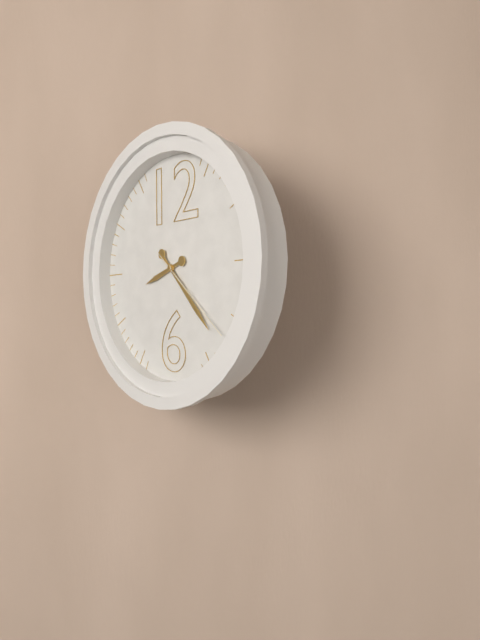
8:23:22
